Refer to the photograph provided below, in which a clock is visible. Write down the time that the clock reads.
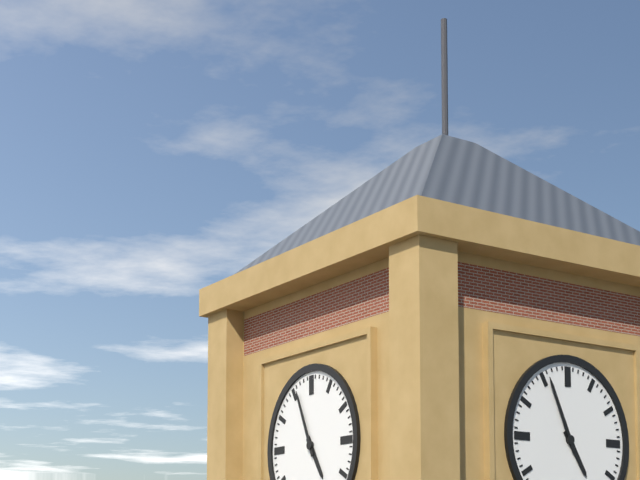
4:56
